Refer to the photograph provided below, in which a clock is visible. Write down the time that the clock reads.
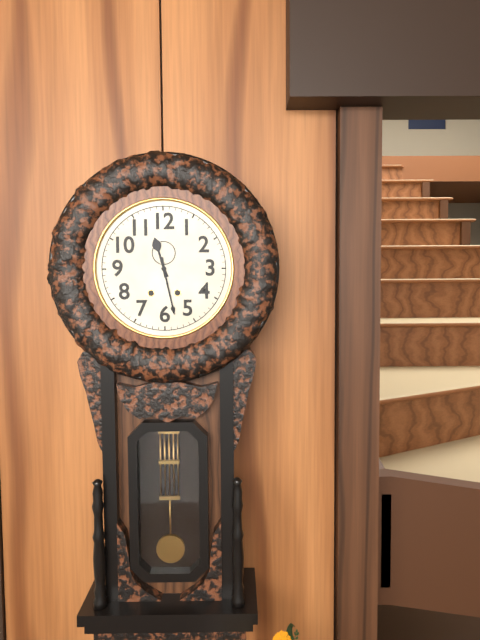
11:28
